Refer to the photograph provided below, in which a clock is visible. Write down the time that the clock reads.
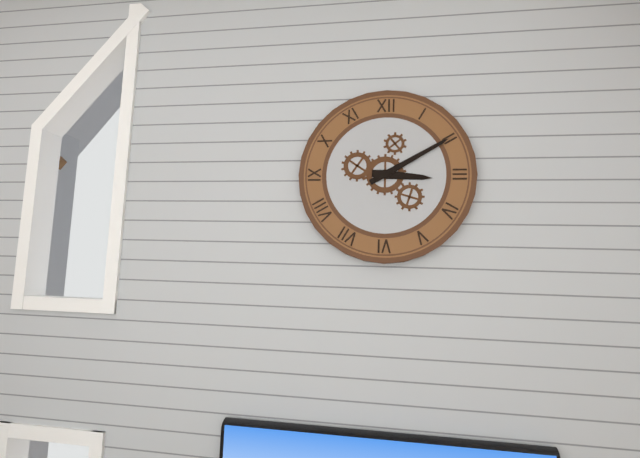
3:10
